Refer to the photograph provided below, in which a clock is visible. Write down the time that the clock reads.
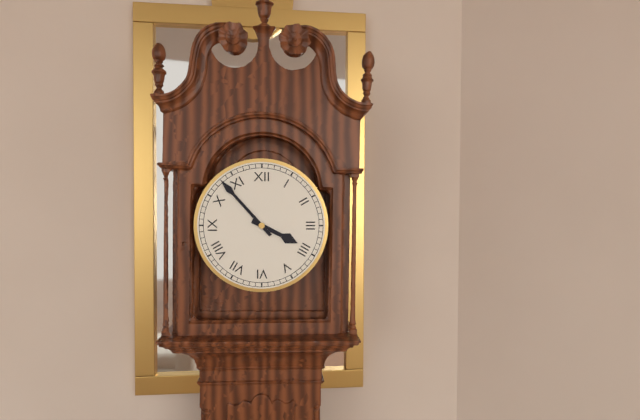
3:53
